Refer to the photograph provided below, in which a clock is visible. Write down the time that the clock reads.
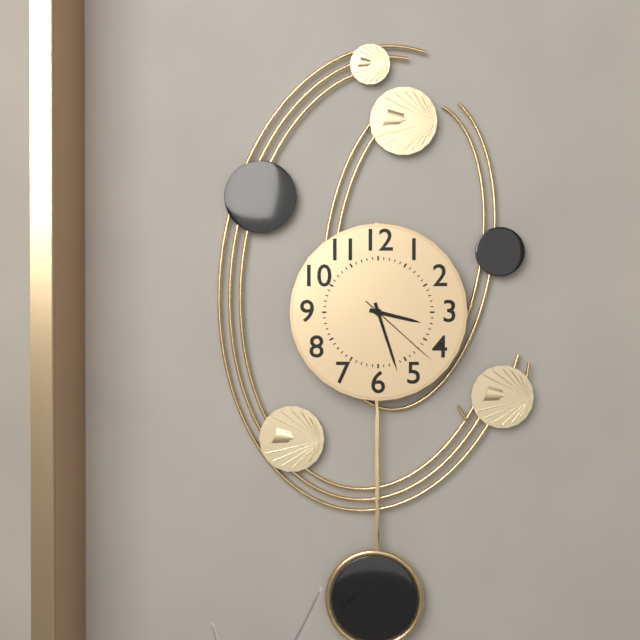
3:27:22
